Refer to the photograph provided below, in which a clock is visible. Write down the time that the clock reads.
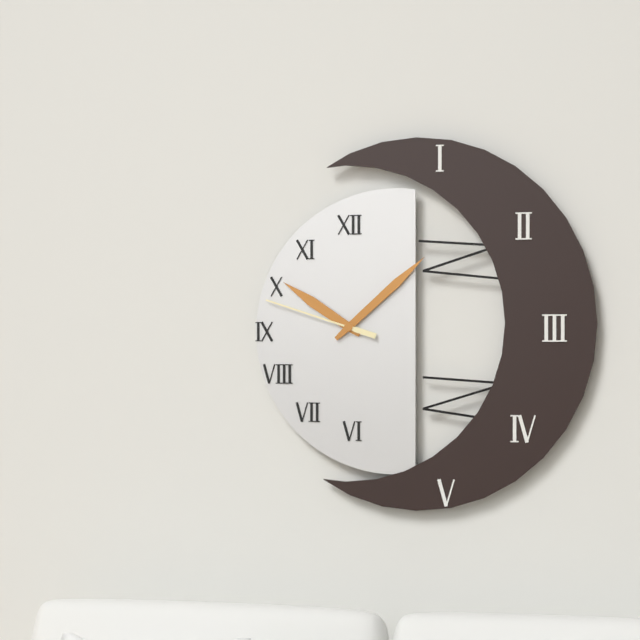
10:08:48
